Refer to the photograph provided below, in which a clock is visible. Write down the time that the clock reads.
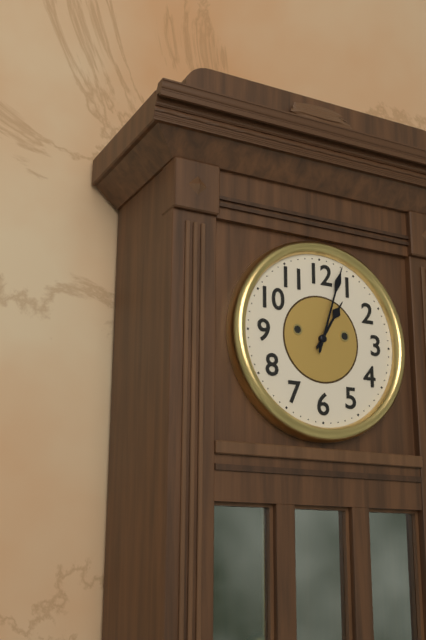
1:03
